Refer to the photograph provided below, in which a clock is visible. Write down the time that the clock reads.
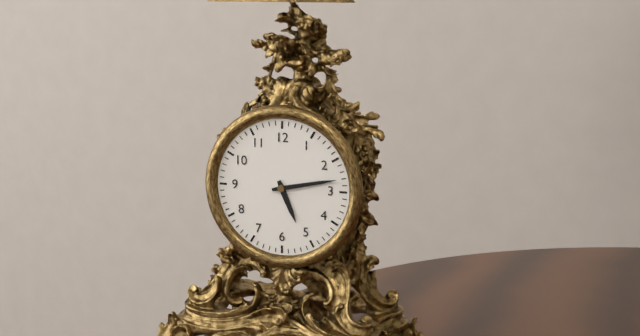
5:13
